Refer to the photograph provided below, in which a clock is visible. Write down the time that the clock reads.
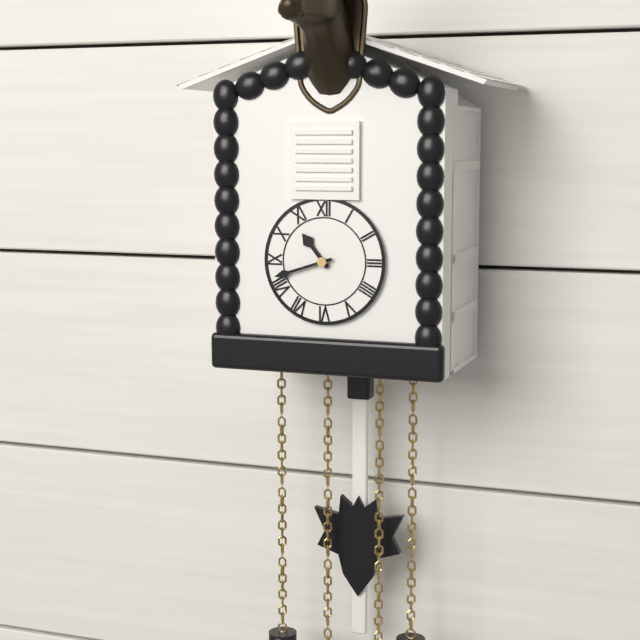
10:42
